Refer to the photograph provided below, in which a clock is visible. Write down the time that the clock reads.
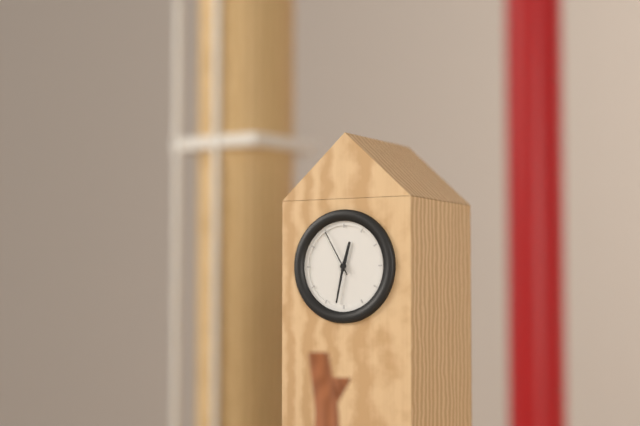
12:32
